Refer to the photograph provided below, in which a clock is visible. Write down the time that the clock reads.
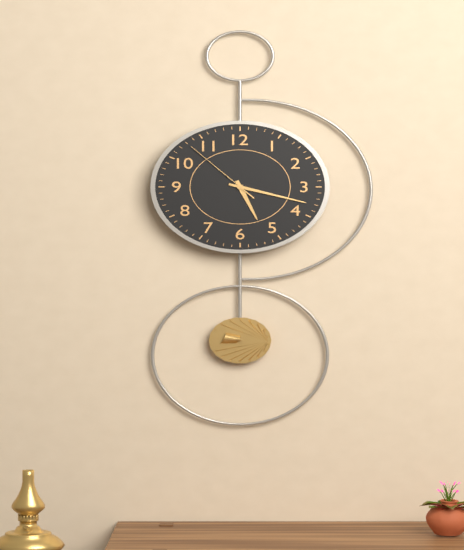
5:18:53
